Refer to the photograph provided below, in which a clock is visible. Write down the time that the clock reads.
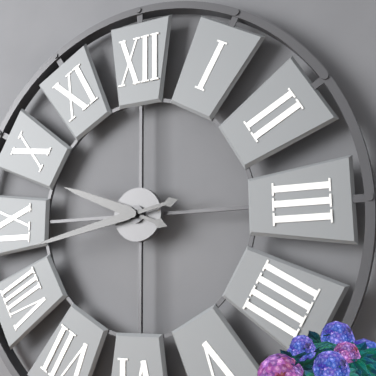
9:43
